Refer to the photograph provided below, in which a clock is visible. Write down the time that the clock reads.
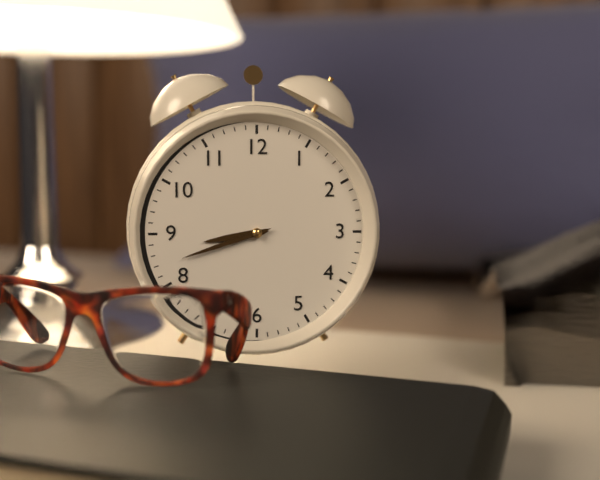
8:42
